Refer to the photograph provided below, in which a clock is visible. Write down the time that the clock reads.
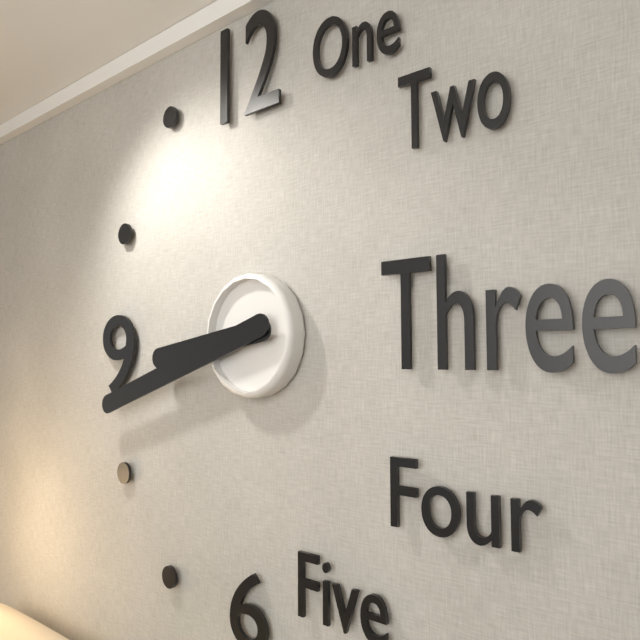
8:42
